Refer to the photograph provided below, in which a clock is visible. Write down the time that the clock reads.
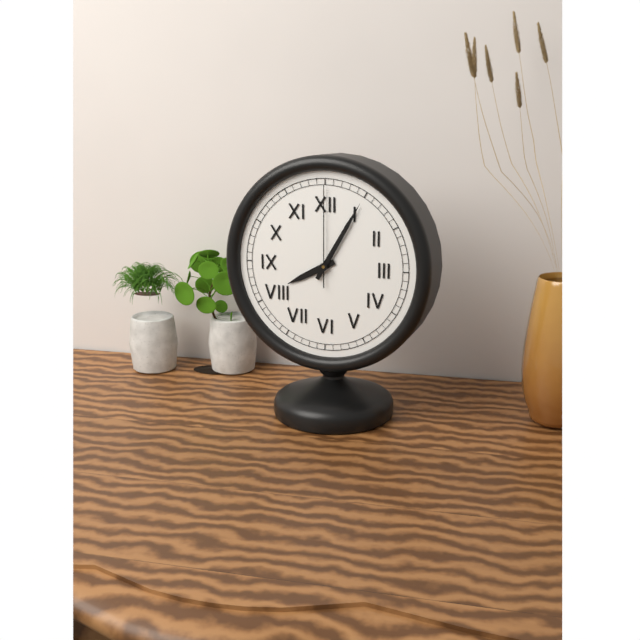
8:05:00
